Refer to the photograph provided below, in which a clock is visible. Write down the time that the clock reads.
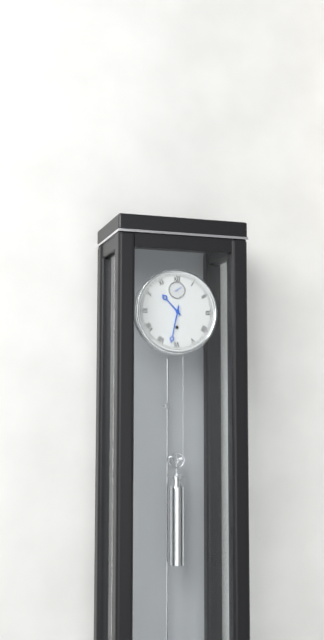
10:32
